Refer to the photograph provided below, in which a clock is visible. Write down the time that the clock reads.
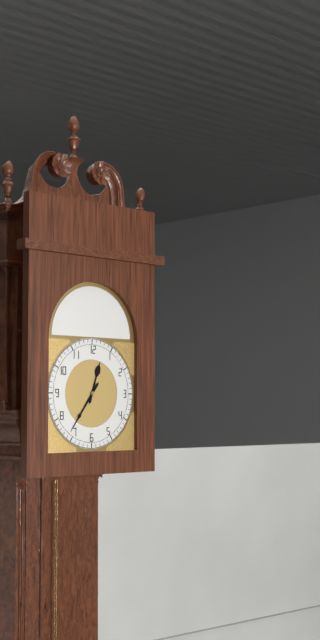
12:36
